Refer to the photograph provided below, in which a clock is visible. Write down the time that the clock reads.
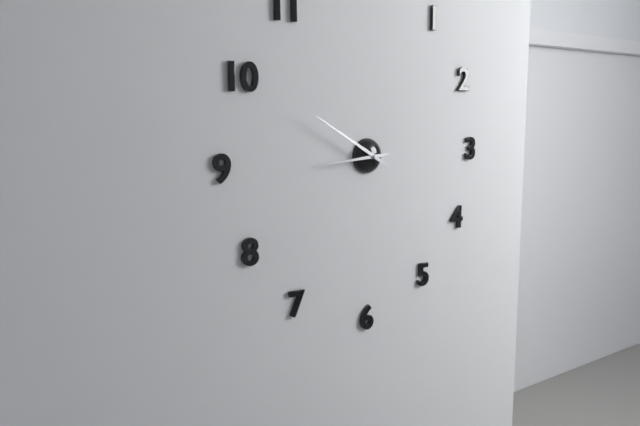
8:50
